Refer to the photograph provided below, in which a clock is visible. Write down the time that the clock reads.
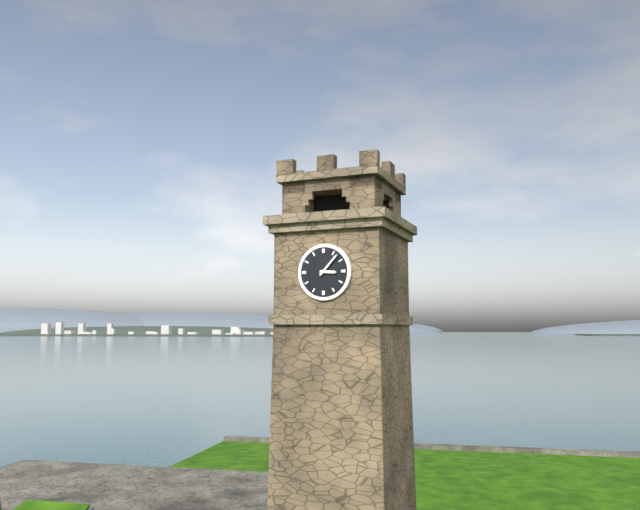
3:07
